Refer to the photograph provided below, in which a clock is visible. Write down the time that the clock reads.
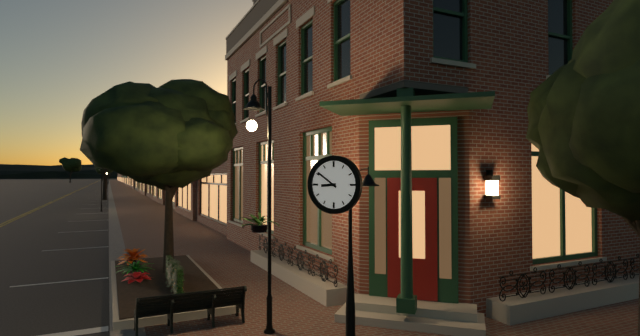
8:51
